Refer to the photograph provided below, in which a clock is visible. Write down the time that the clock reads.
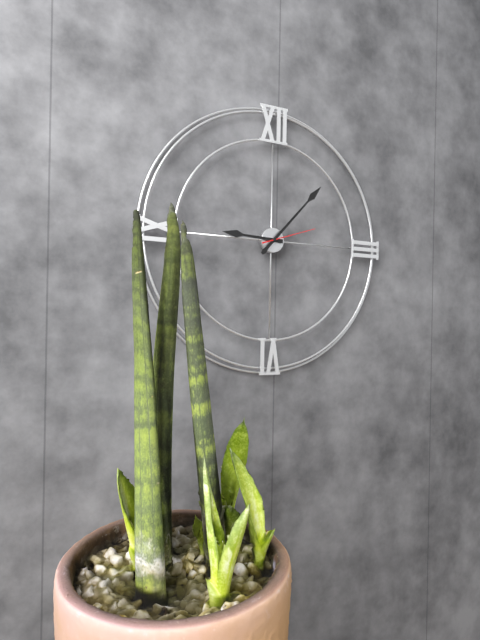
9:07:12
